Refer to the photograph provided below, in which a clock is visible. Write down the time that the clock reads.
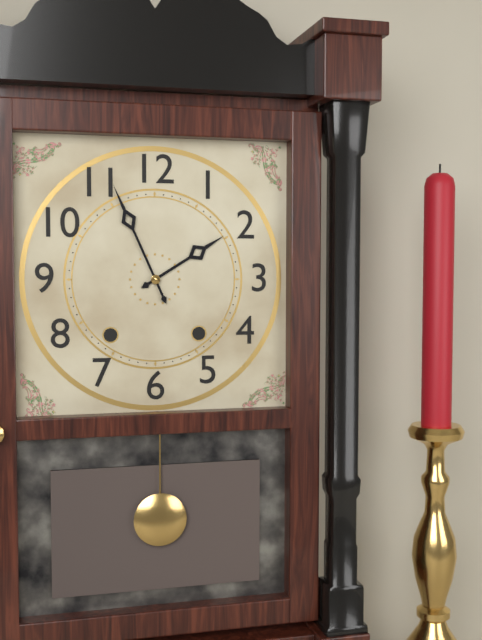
1:56
